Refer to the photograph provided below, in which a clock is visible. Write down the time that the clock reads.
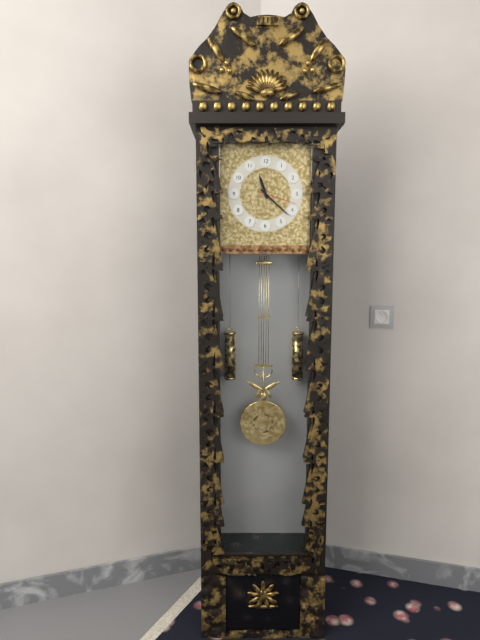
11:22
